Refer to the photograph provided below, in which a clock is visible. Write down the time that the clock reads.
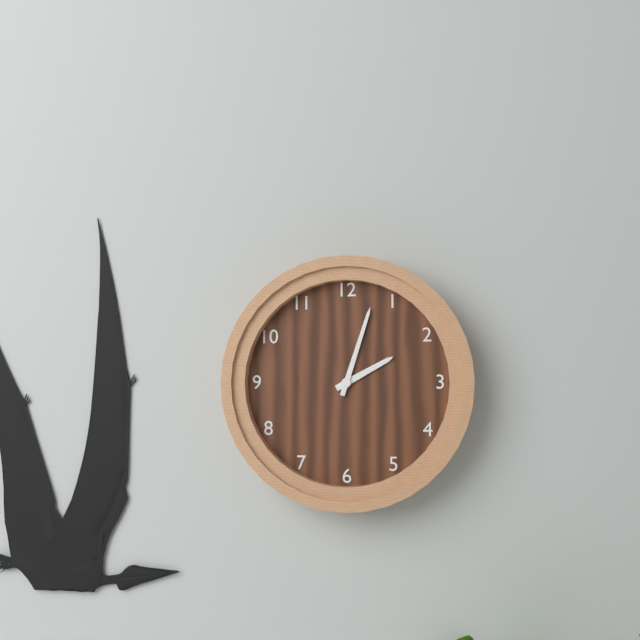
2:03
